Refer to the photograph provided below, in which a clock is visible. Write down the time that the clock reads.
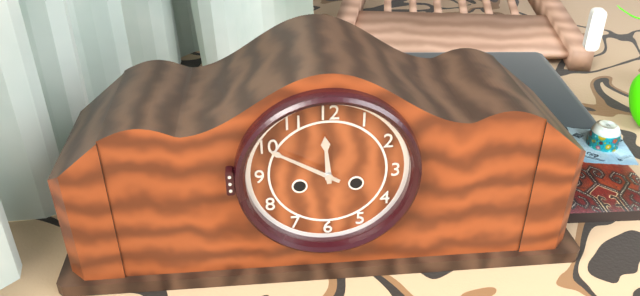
11:50
